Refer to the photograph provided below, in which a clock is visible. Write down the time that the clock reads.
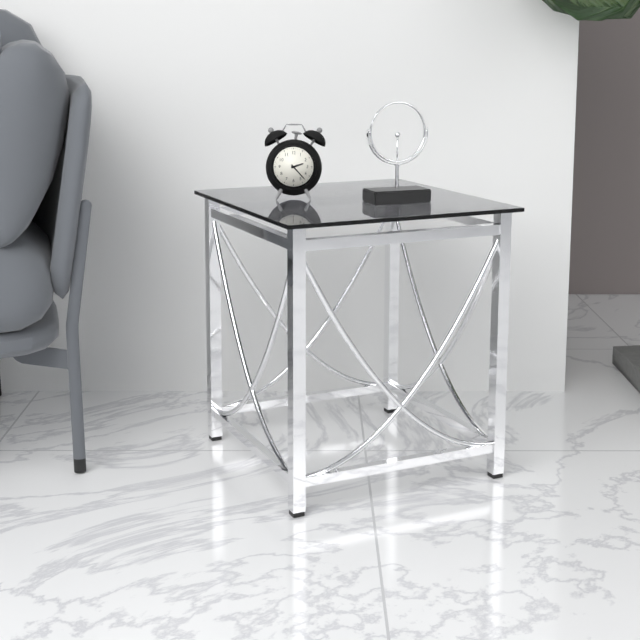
2:23
